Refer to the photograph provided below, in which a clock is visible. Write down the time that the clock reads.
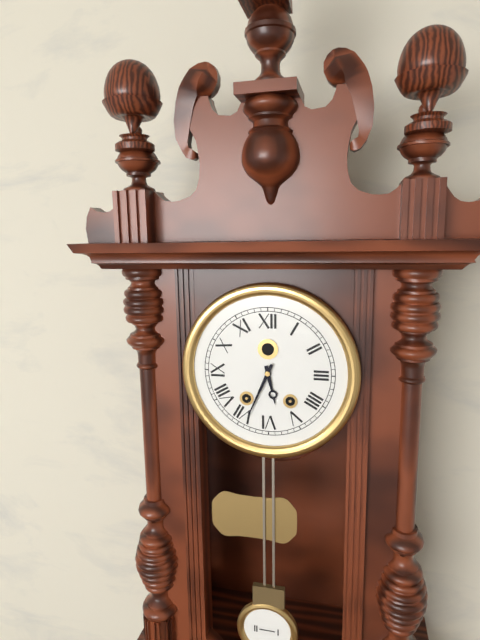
5:34
